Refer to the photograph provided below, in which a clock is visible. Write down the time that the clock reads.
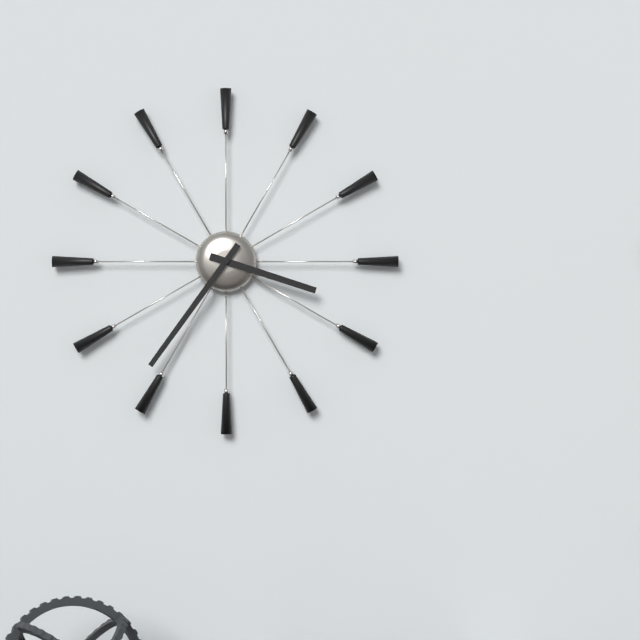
3:36
